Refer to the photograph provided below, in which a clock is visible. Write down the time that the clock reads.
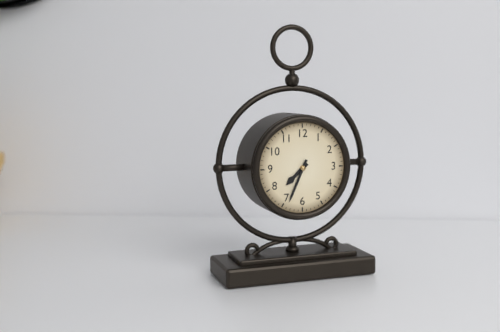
7:34
